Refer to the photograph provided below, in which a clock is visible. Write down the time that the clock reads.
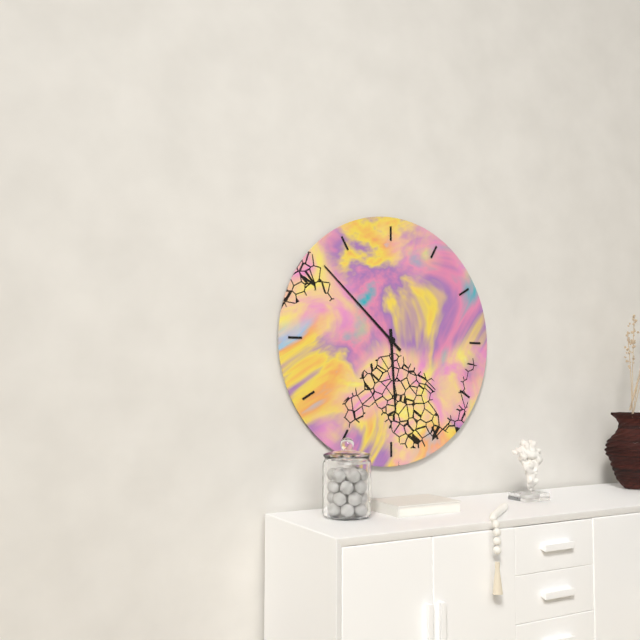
5:52
